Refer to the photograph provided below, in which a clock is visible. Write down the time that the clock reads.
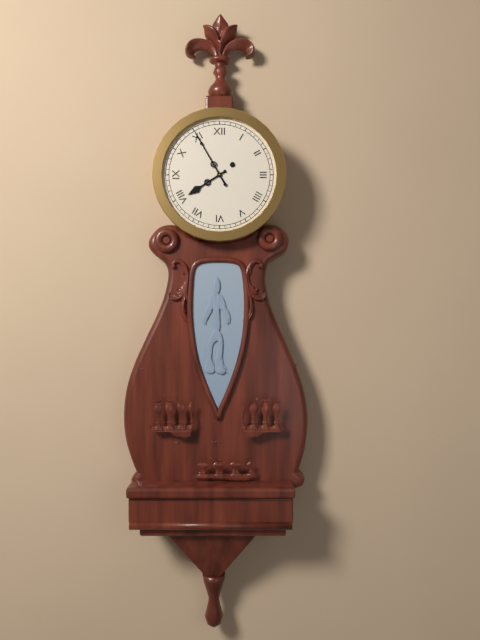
7:55
